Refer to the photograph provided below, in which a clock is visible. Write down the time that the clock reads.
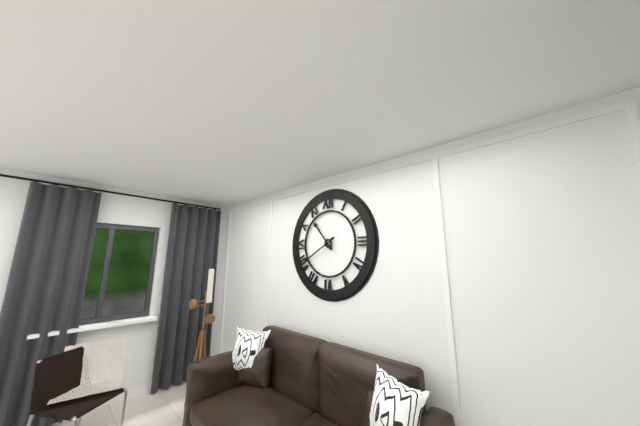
10:40
